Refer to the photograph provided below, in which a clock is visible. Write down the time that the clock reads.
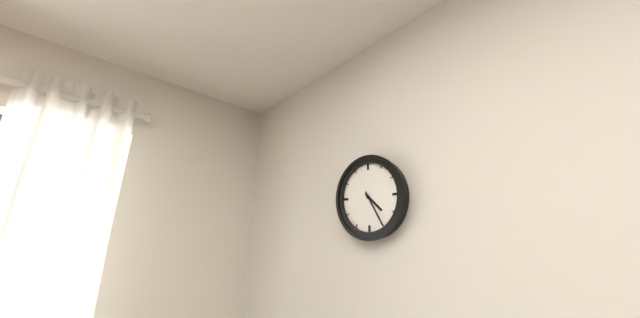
4:25
